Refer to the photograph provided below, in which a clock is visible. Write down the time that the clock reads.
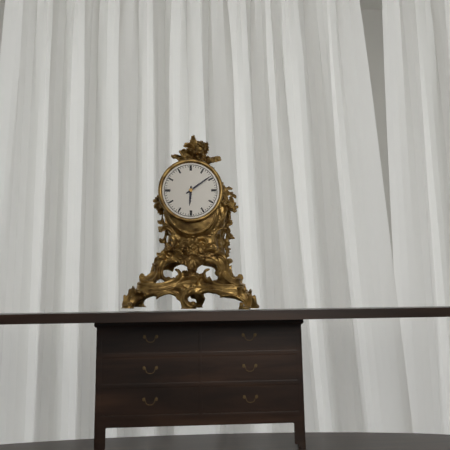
6:09
